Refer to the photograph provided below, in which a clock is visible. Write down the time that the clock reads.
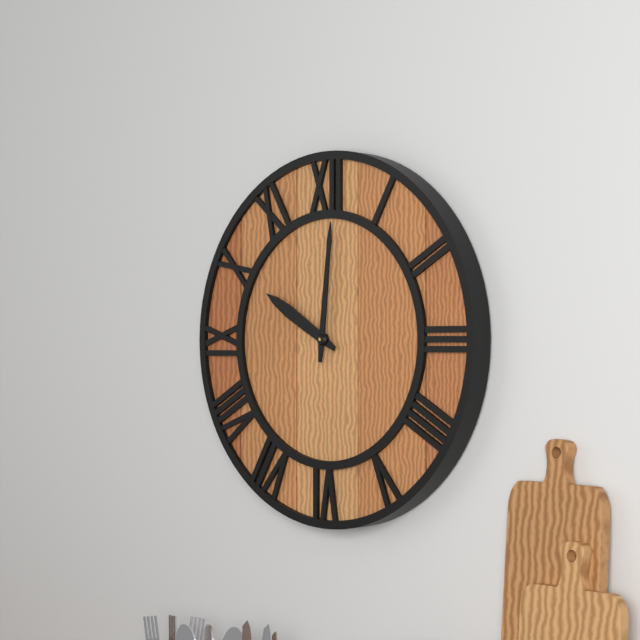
10:01
